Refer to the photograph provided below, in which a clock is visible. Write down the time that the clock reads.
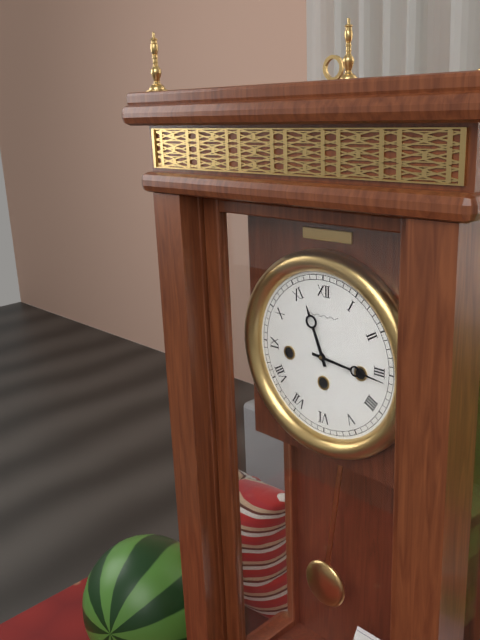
11:16
